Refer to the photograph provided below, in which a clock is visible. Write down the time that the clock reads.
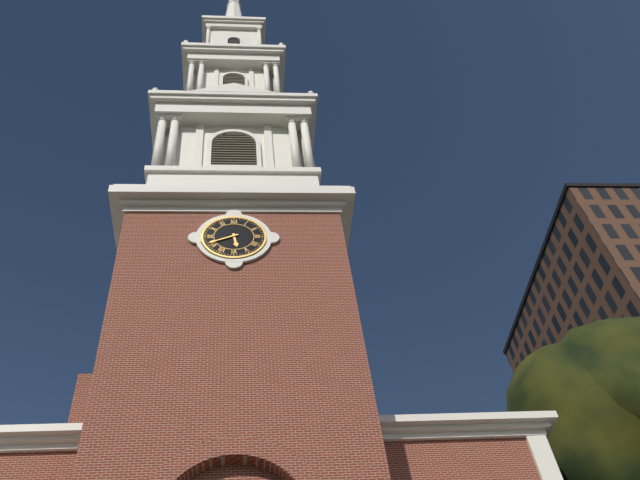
5:41
